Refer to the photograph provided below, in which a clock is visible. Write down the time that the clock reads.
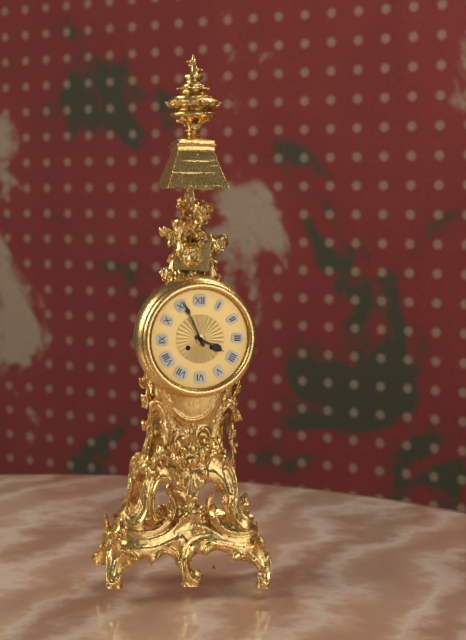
3:56
